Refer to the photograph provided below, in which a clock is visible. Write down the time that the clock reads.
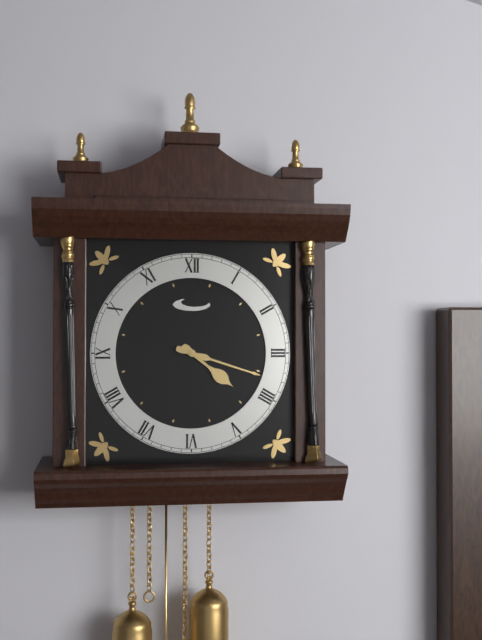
4:18
